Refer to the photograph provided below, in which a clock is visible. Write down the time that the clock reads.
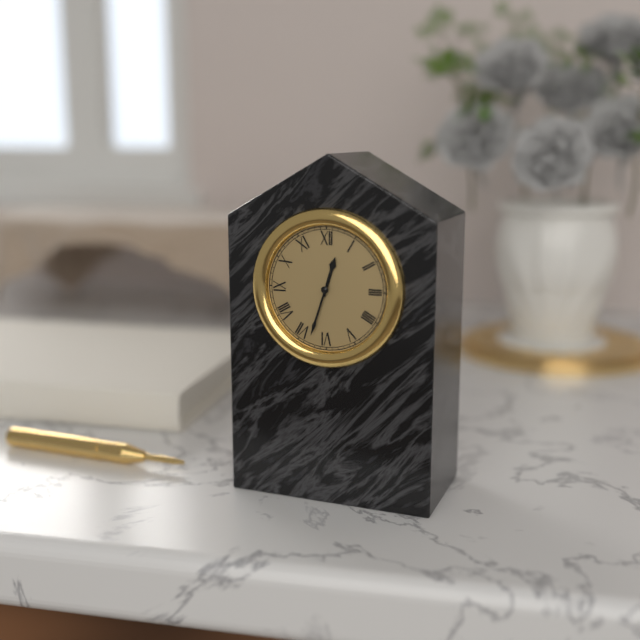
12:33
